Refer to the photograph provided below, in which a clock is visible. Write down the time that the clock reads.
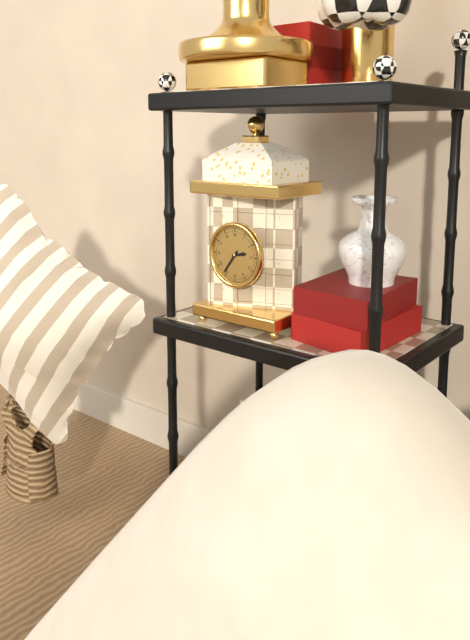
2:36
